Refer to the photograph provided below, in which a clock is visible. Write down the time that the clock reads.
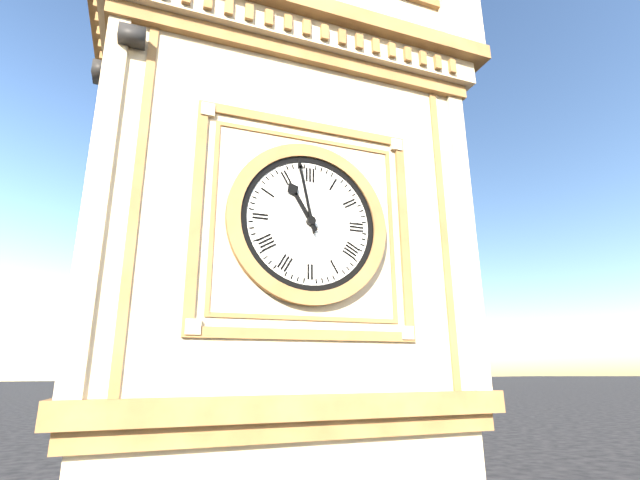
10:58
